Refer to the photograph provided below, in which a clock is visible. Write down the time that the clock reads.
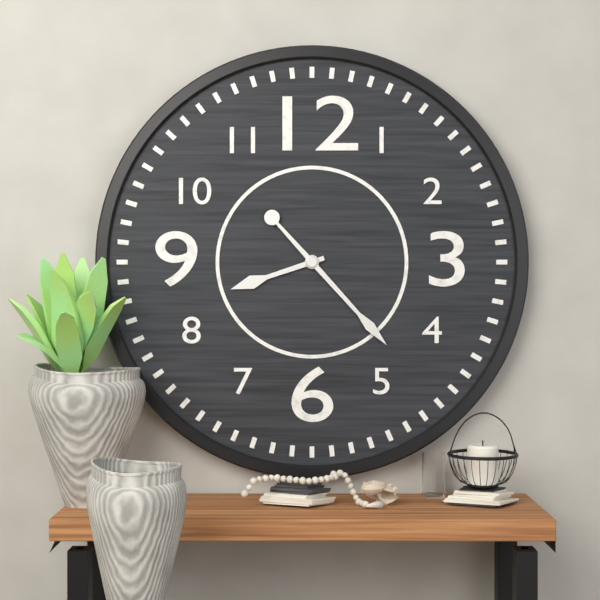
8:23
